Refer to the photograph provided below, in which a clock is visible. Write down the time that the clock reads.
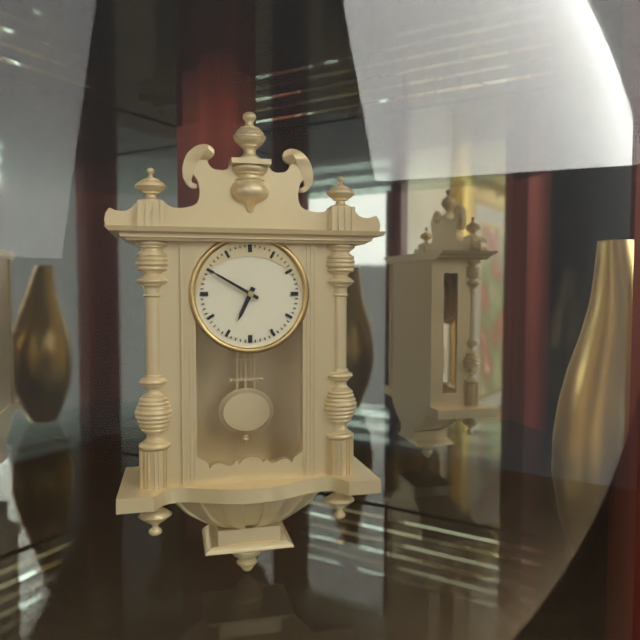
6:50
